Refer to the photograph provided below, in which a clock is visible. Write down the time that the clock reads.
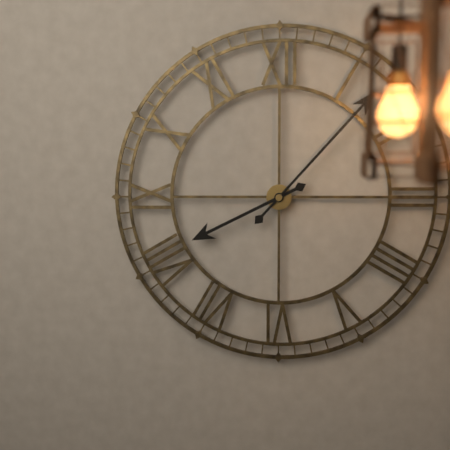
8:07
